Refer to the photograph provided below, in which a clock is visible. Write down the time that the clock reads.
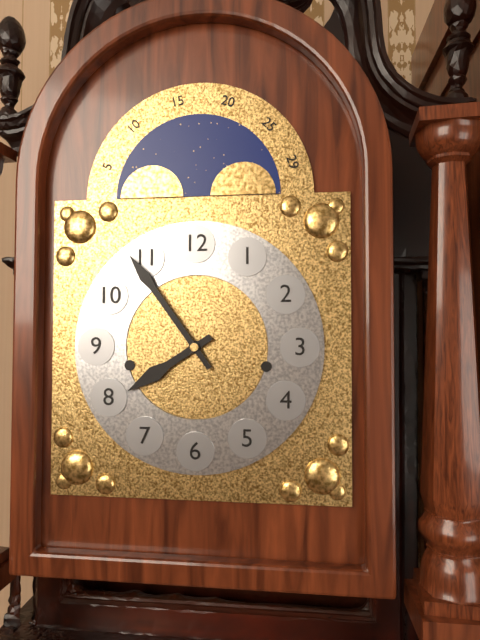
7:54
